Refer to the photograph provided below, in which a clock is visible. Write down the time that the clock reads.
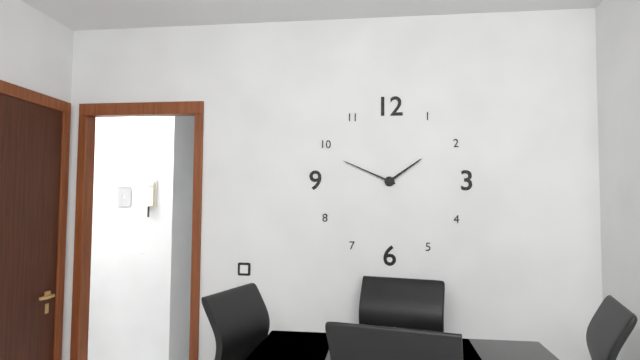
1:49
